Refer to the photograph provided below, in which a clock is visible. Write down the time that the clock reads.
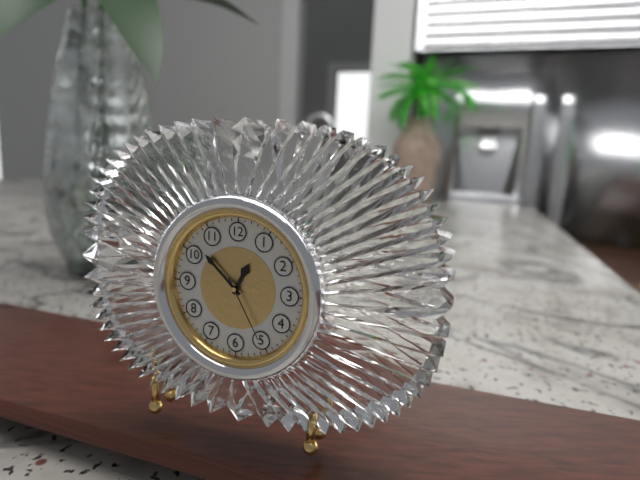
12:52:25
